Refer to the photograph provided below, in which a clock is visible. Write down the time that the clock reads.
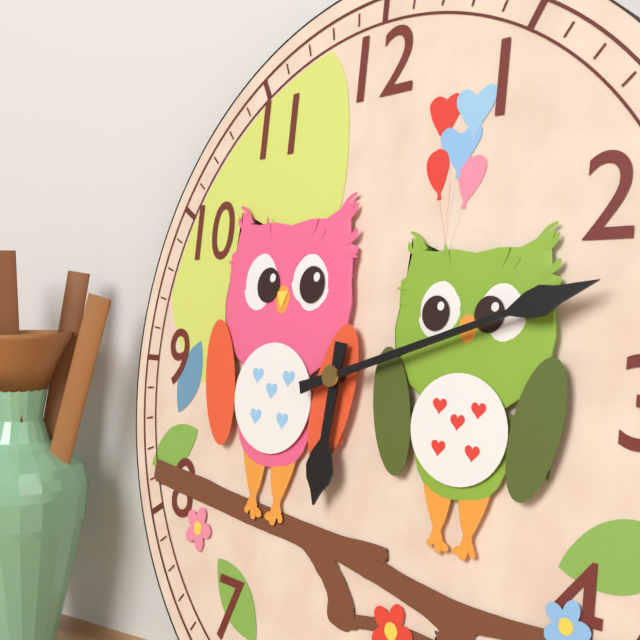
6:12
